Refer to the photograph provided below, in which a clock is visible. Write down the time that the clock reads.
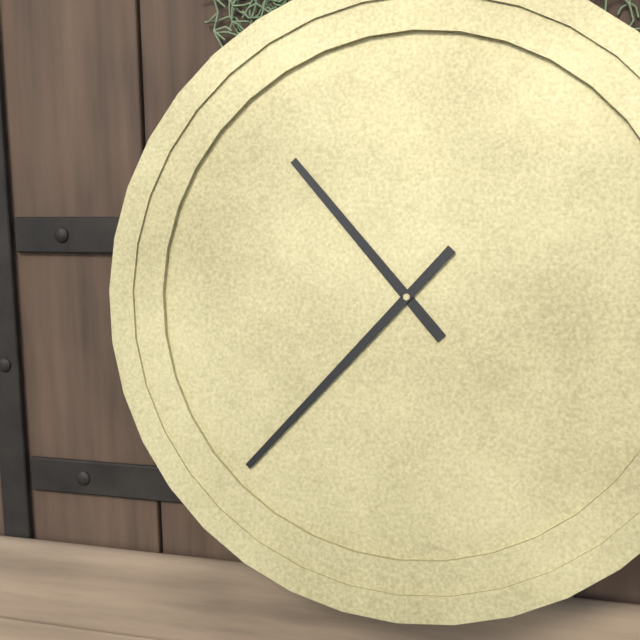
10:37
